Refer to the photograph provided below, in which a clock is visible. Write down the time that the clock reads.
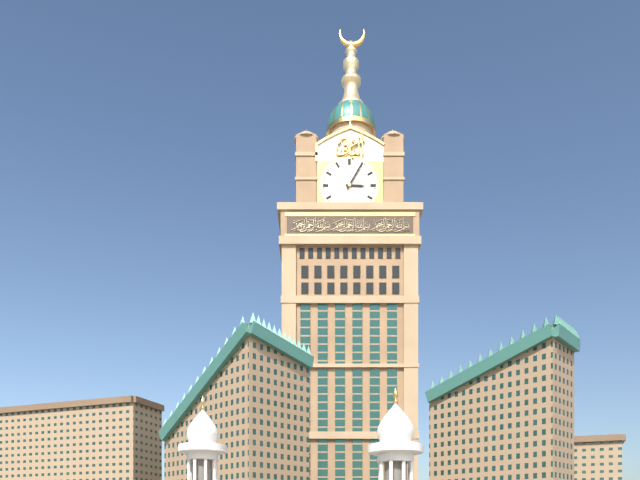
3:05
